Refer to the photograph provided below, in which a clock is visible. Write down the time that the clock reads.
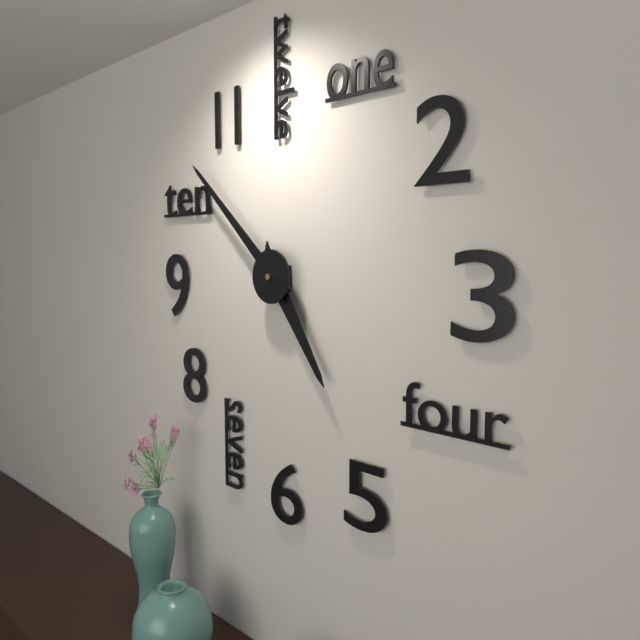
4:52
